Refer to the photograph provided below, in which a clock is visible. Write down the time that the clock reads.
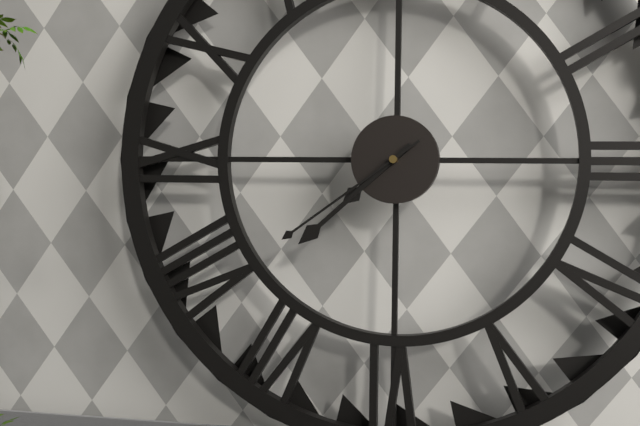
7:38:39
